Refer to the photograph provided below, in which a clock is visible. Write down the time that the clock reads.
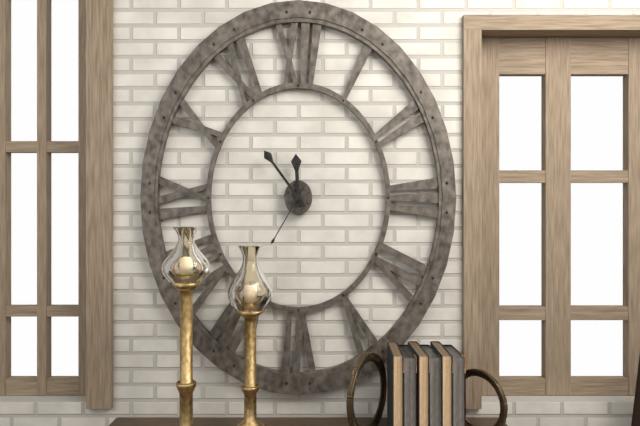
11:54:35
